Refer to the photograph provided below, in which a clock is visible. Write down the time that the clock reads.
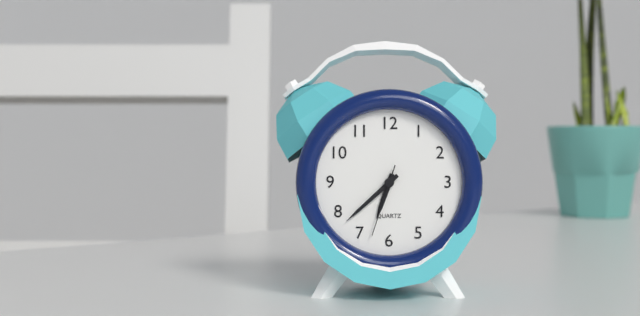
6:38:33
